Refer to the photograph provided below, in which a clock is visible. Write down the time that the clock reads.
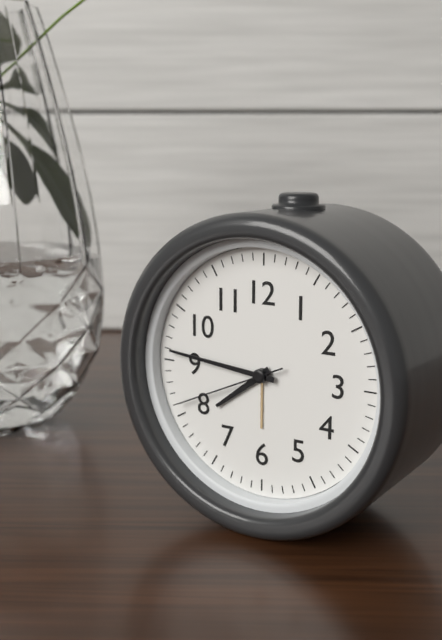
7:46:41
